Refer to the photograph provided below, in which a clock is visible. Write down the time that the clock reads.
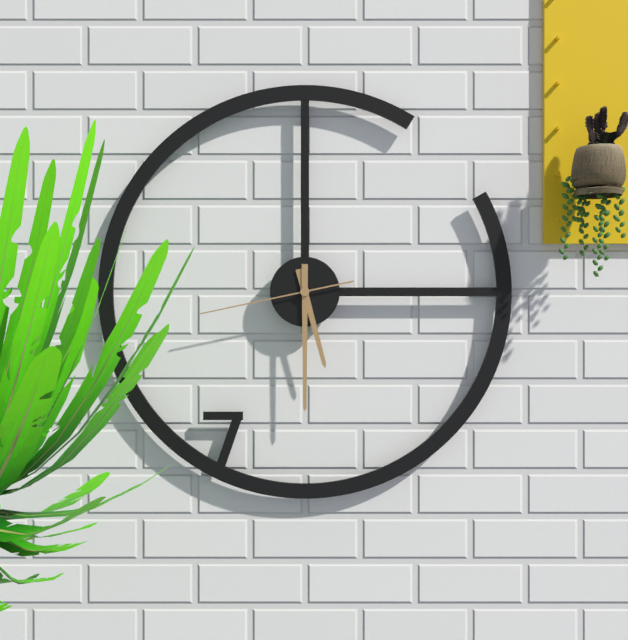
5:30:43
